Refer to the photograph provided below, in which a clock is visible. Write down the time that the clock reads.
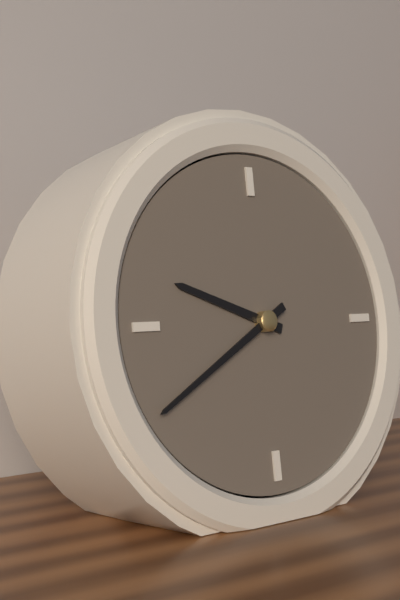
9:40
